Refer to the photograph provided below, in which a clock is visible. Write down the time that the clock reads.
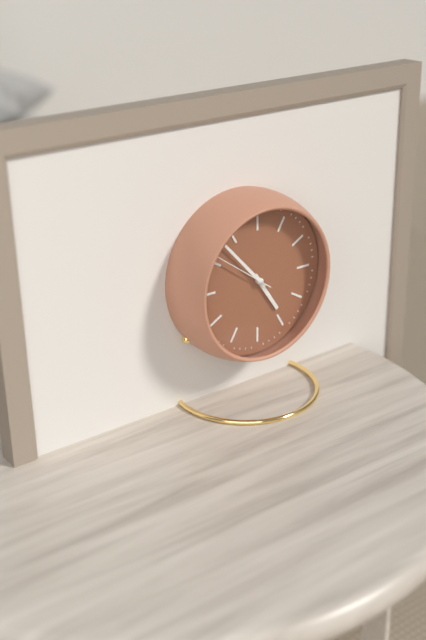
4:53:51
